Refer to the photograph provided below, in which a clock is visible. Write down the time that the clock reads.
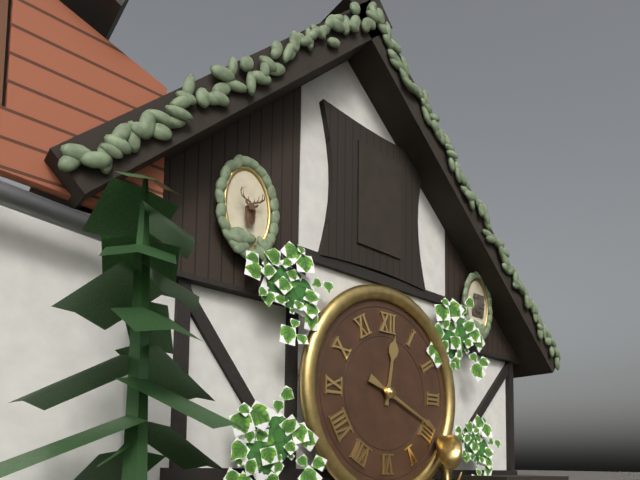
12:19
